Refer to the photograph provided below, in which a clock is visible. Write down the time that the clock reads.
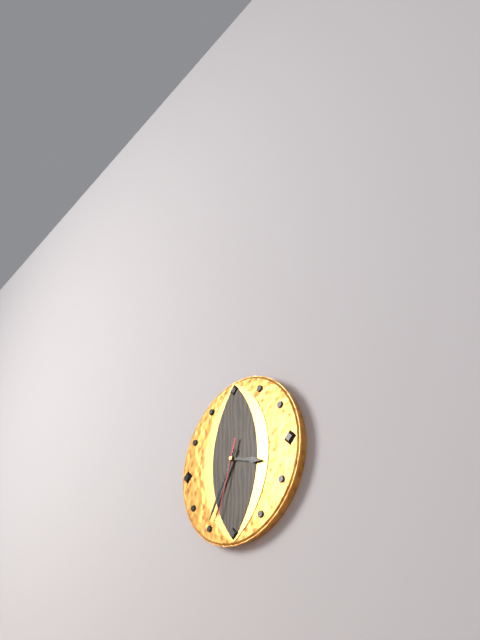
3:35:33
